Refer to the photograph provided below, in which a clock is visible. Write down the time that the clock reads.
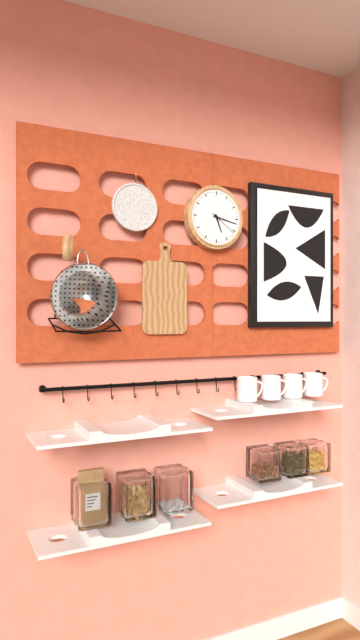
5:17
